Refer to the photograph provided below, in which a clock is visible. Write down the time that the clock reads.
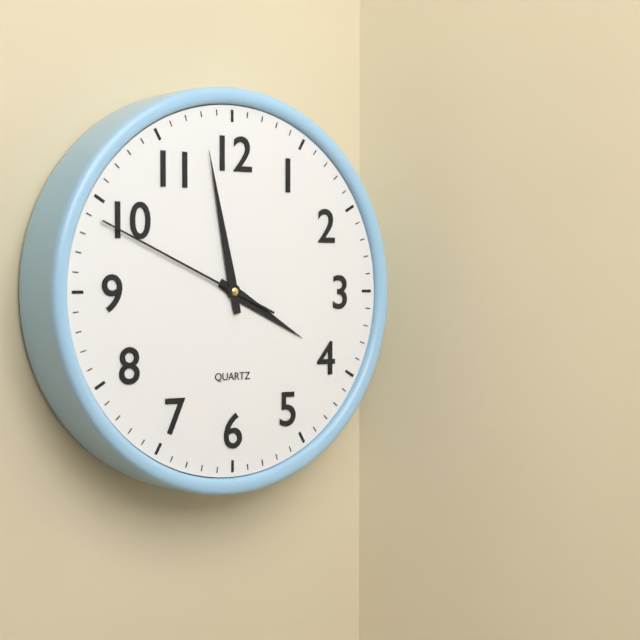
3:58:49
